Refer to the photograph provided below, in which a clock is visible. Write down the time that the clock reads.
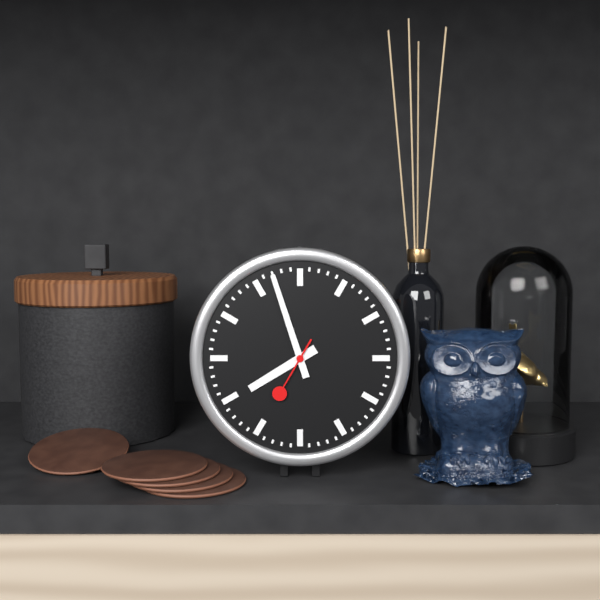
7:57:35
